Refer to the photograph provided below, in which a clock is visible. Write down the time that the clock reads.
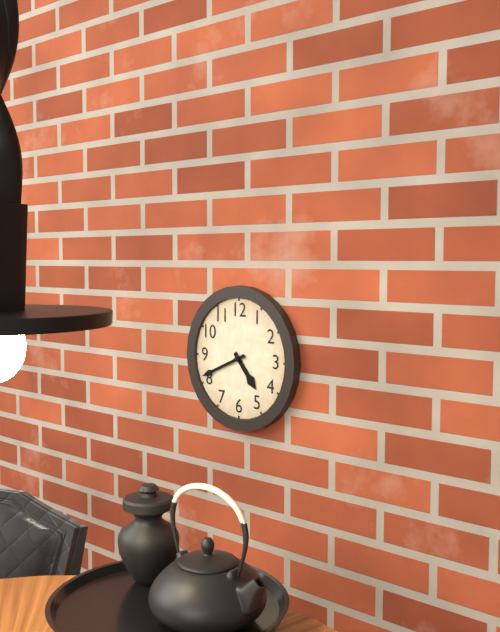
4:41
